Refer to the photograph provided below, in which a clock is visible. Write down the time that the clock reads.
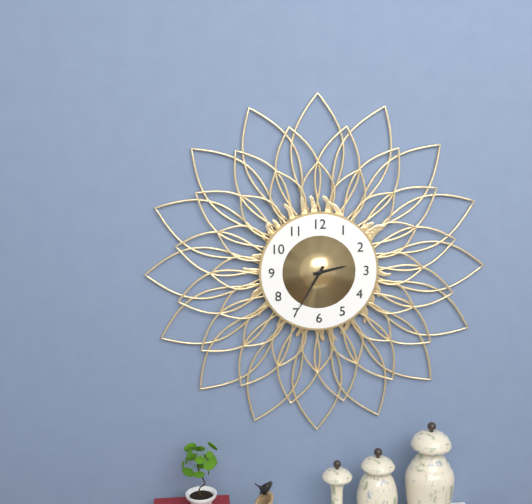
2:35
